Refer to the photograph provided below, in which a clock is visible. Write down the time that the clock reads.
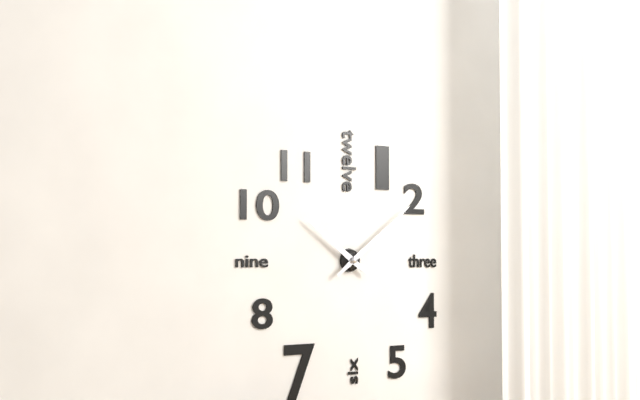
10:09
